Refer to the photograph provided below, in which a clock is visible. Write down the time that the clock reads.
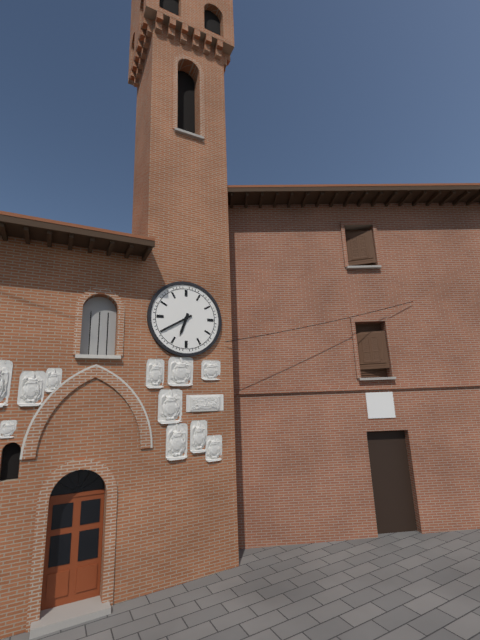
6:40
